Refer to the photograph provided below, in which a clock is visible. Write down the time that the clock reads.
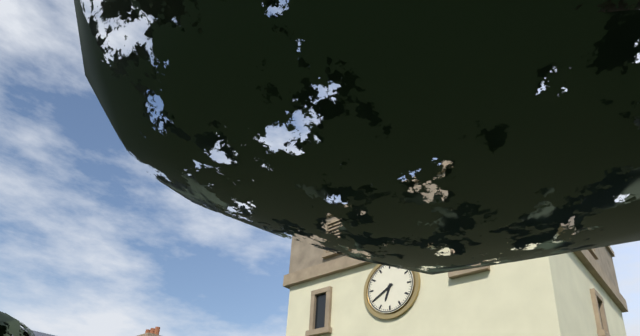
6:40
